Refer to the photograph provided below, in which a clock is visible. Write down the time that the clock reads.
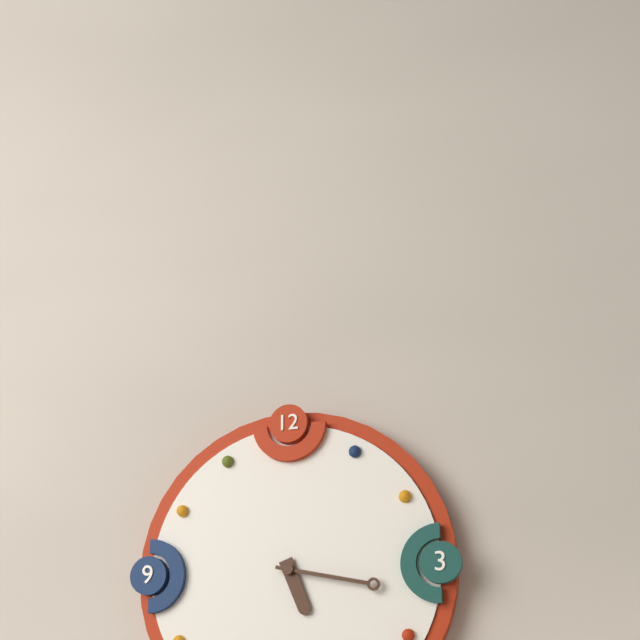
5:17
